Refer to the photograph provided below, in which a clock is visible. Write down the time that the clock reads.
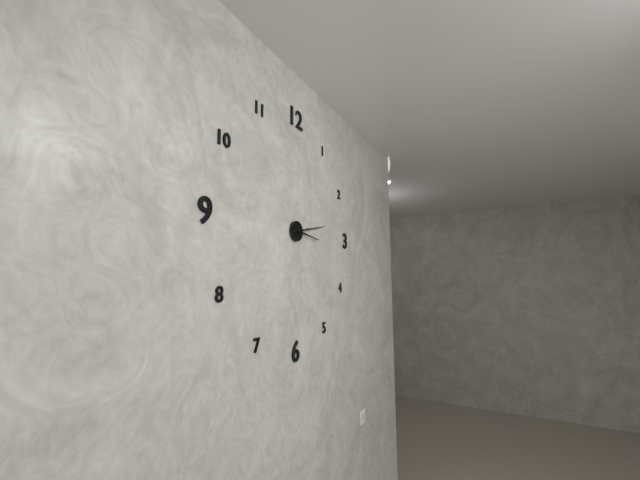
3:13
